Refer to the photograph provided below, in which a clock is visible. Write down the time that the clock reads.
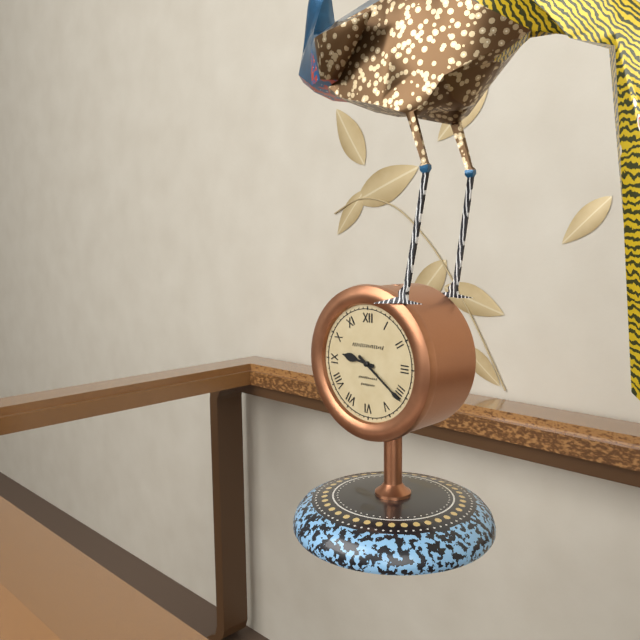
9:21
